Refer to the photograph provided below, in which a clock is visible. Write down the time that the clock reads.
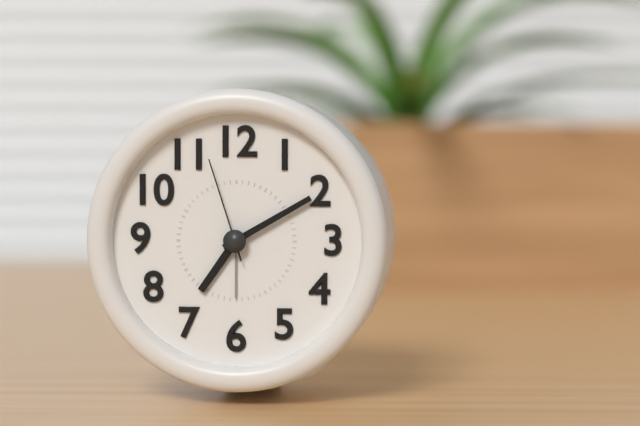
7:10:57
